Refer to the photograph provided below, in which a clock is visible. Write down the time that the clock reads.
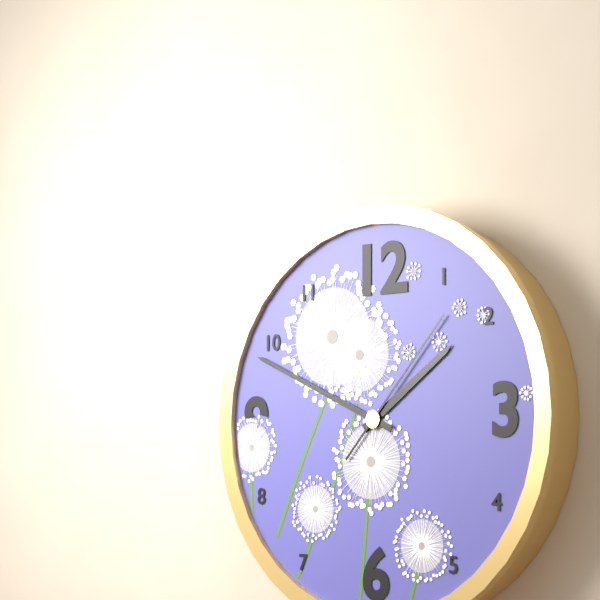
1:49:07
